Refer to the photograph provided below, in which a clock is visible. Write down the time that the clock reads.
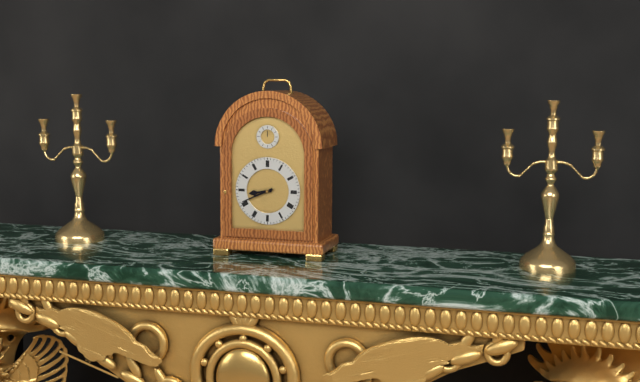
8:41
